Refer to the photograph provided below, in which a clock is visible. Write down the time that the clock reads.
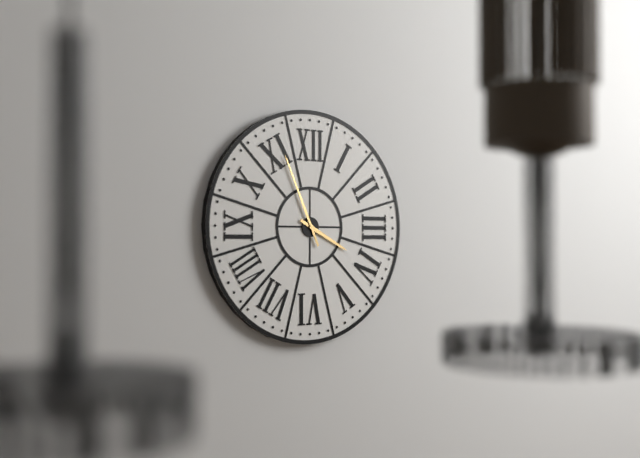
3:56
